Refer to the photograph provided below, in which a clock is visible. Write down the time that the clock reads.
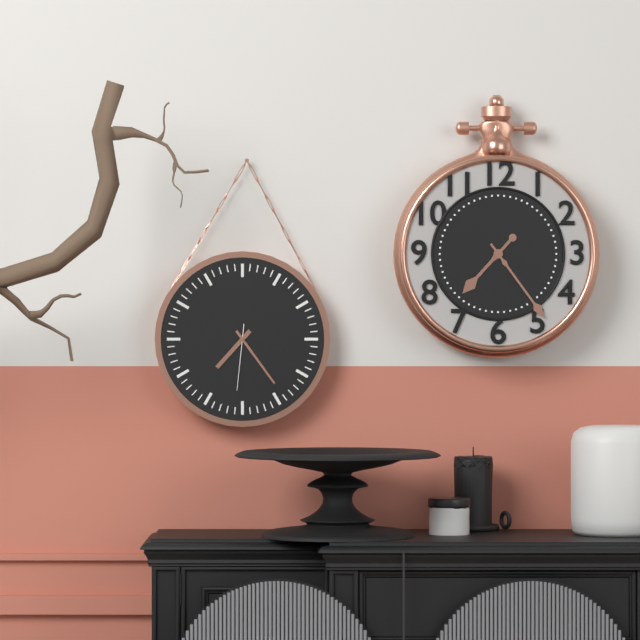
7:24:31
